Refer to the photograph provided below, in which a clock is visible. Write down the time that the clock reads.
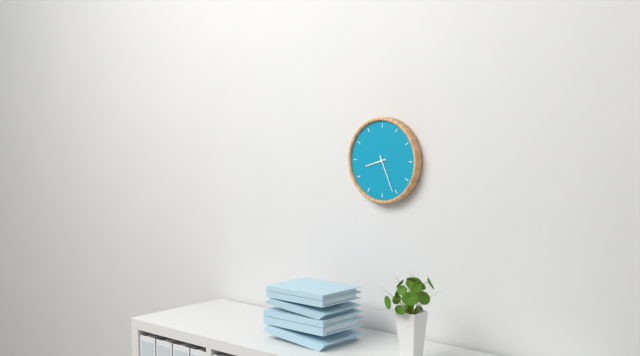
8:26
